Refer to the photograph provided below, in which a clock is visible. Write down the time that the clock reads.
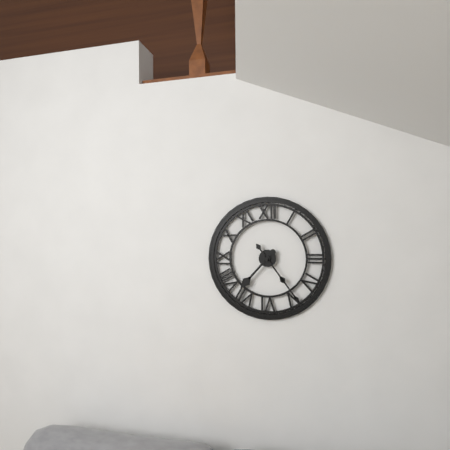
7:24
